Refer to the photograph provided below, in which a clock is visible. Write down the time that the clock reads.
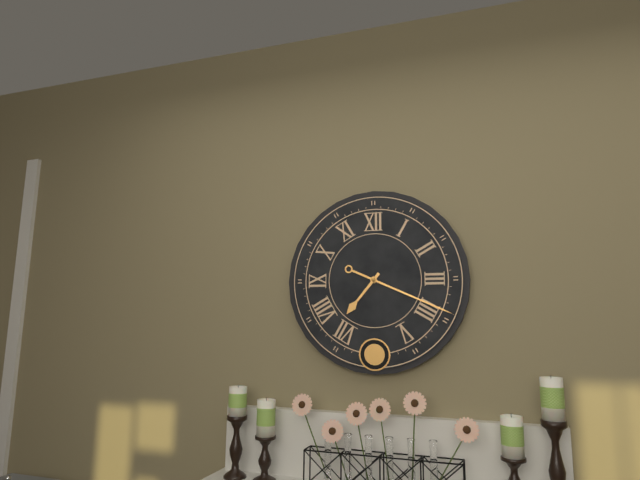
7:19
